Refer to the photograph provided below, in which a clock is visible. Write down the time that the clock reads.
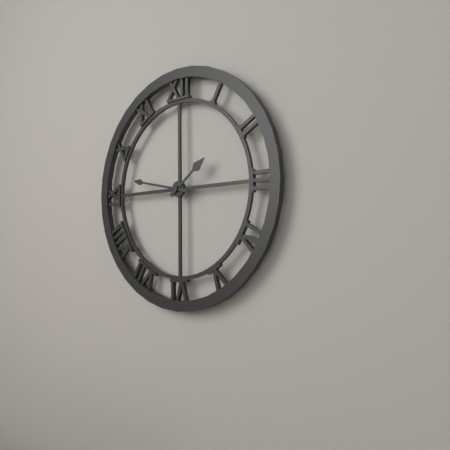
1:47
